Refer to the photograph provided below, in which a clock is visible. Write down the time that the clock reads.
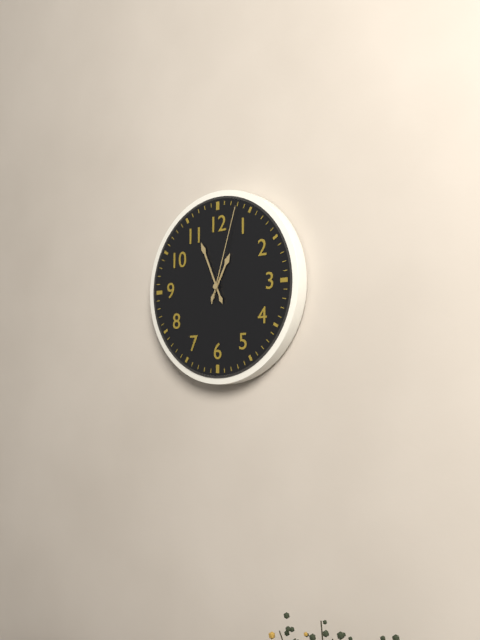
12:56:03
